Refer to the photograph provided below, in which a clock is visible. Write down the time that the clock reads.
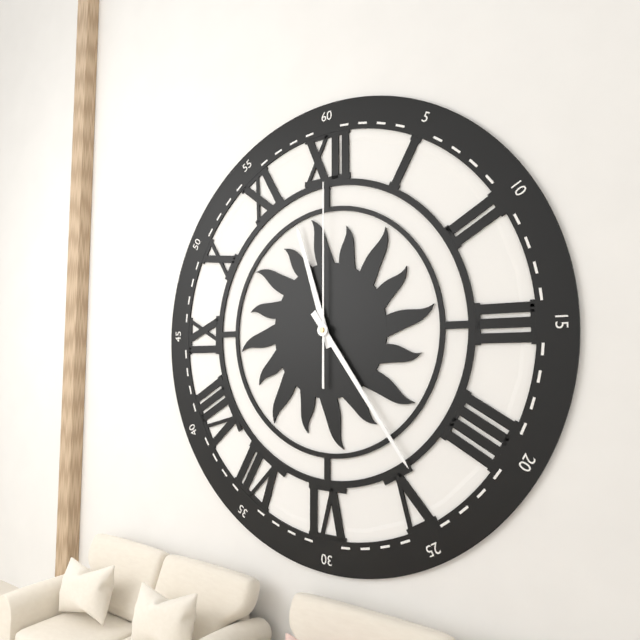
11:24:00
